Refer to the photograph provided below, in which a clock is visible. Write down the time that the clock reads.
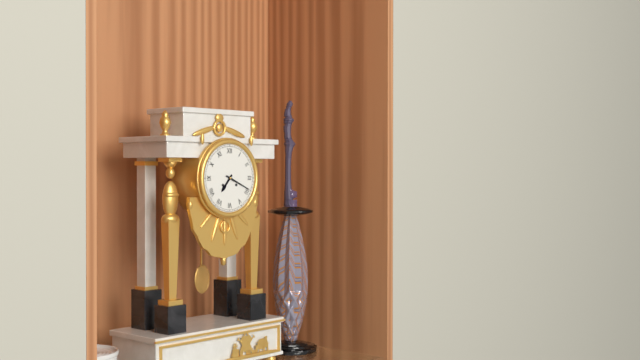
7:19
